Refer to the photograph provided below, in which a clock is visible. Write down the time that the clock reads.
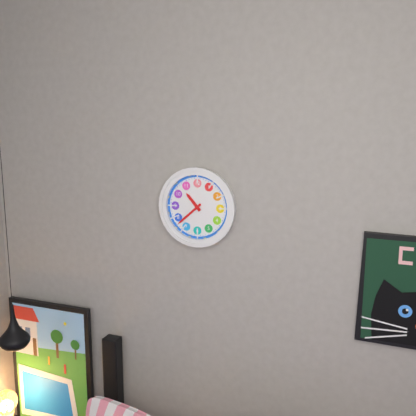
10:38
